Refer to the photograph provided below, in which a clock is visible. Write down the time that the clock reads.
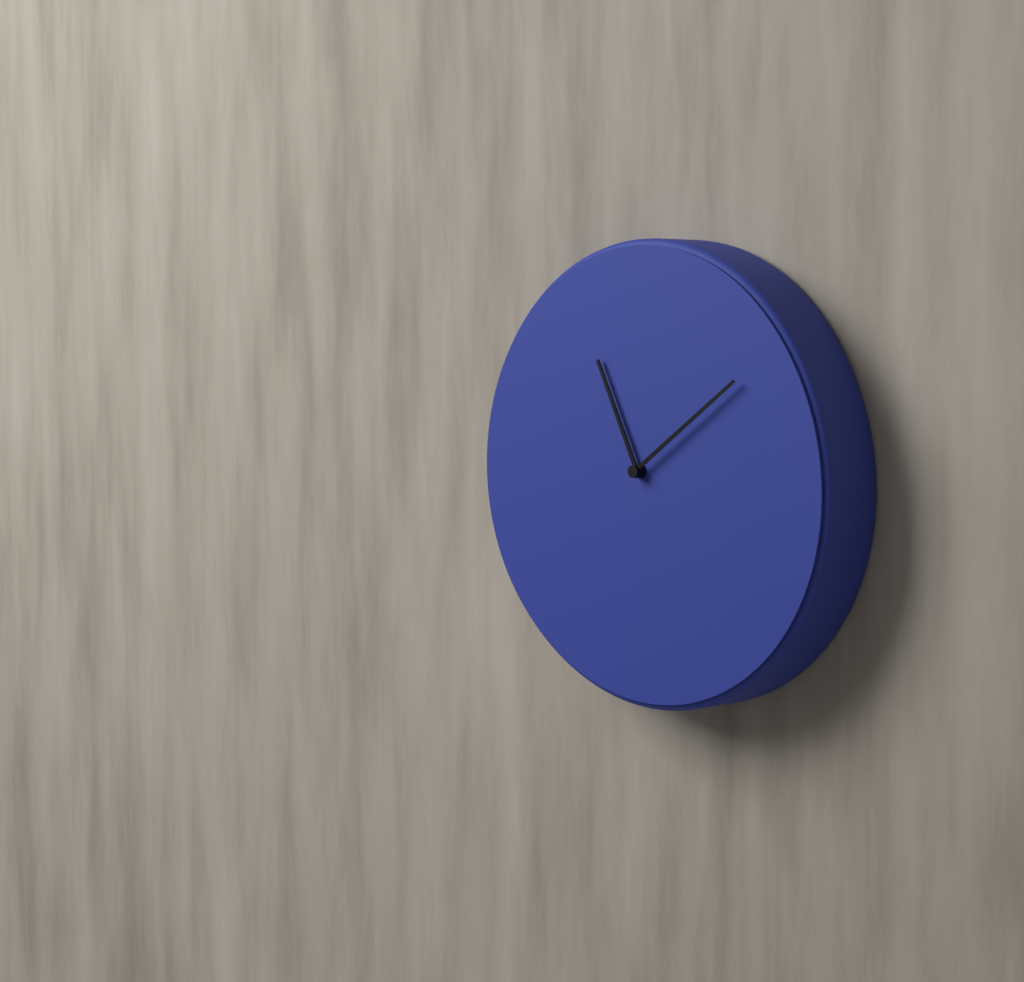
11:09
